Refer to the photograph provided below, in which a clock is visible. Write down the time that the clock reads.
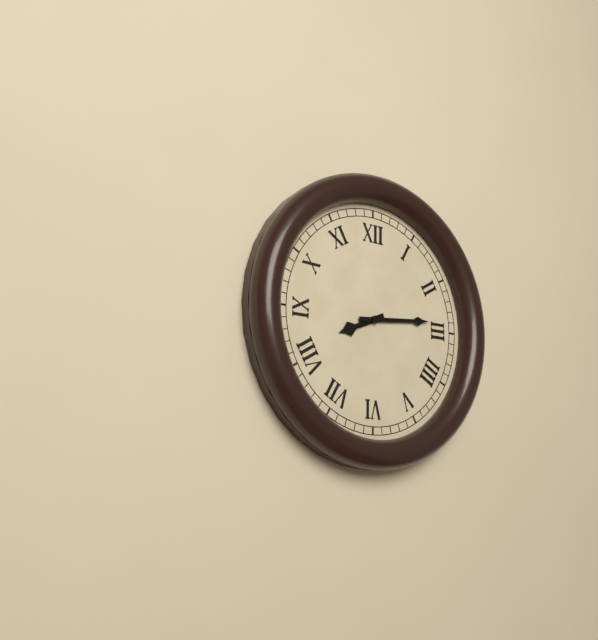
8:14
